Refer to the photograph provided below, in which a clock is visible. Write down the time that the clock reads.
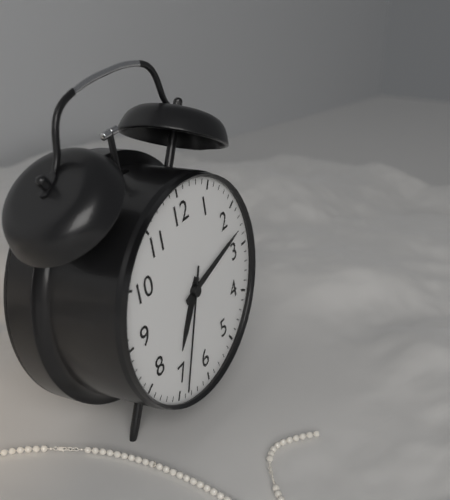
7:13:34
